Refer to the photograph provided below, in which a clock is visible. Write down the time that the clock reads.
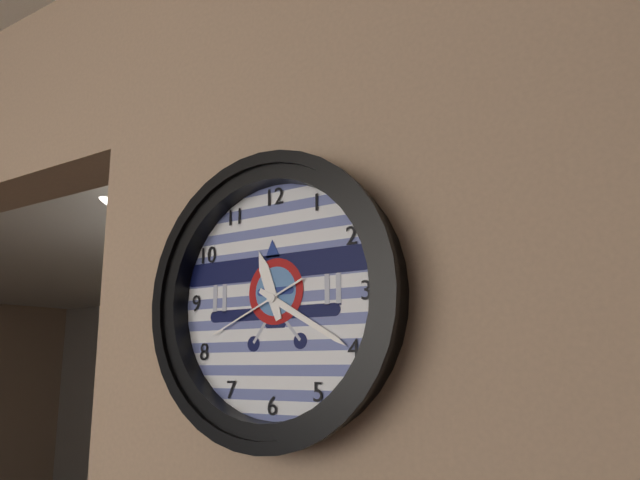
11:20:41
